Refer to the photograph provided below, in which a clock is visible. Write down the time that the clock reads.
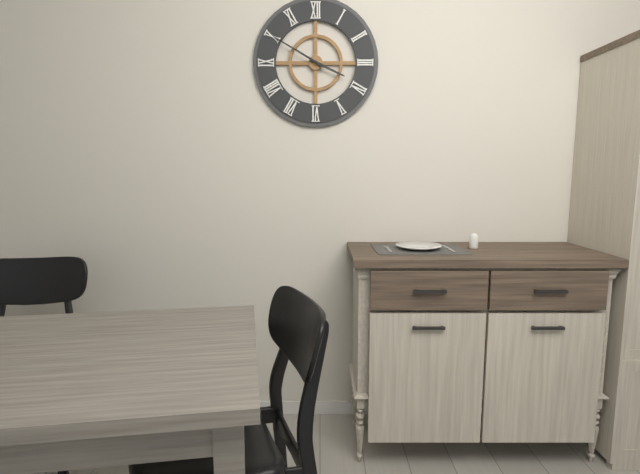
3:50
